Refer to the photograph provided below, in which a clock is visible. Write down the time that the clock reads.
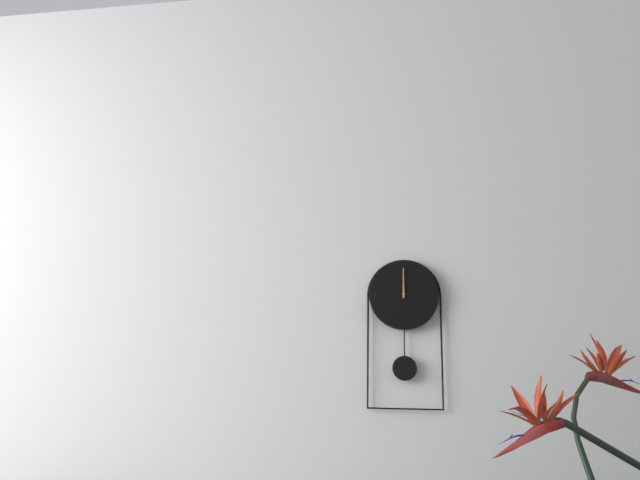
12:00
